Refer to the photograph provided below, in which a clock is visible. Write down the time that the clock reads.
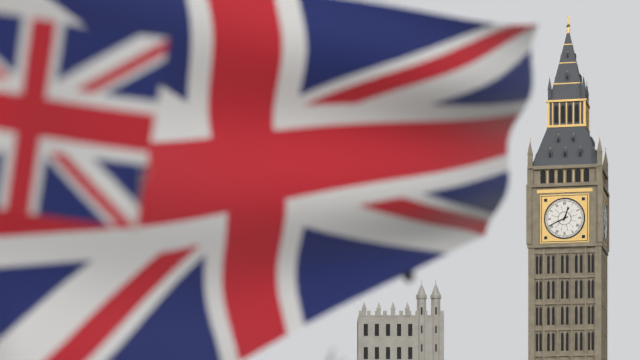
12:41
